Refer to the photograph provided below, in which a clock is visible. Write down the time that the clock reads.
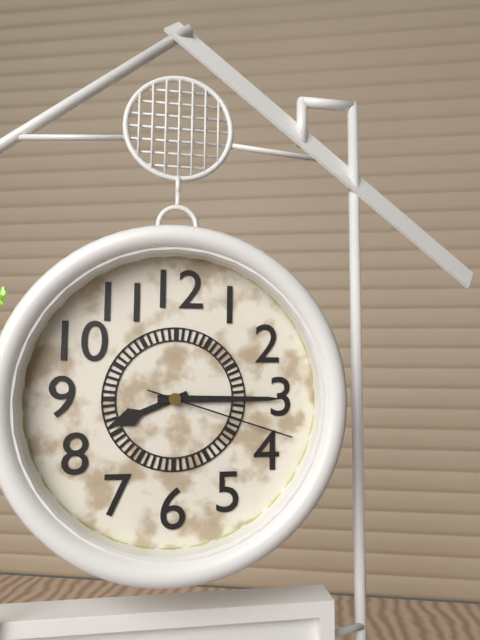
8:15:18
